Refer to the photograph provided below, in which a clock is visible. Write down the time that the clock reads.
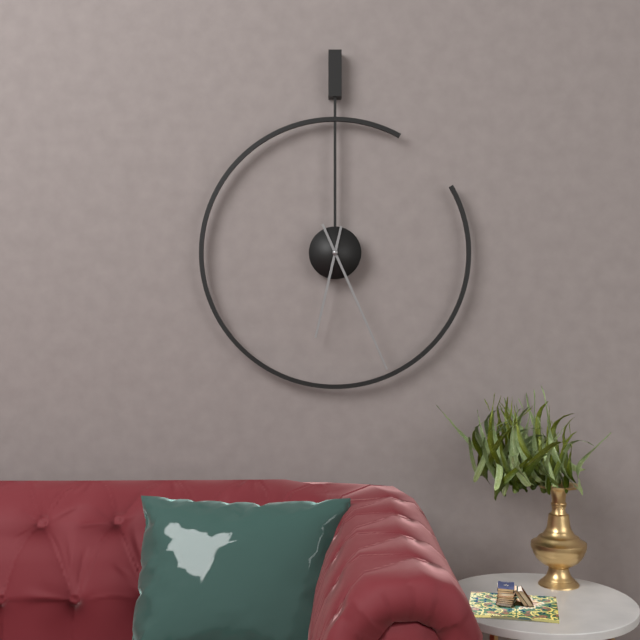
6:26
